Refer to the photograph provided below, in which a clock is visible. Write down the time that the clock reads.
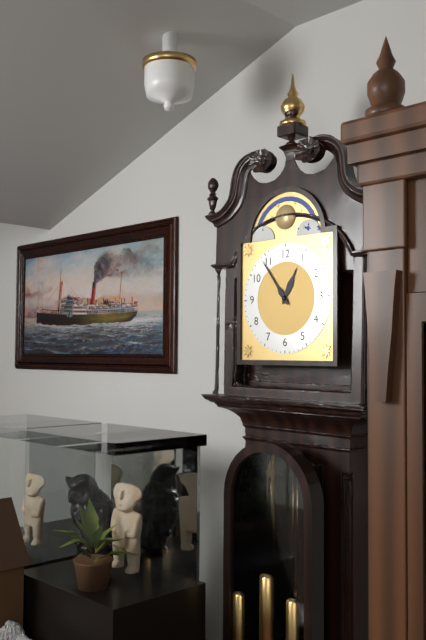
12:54
